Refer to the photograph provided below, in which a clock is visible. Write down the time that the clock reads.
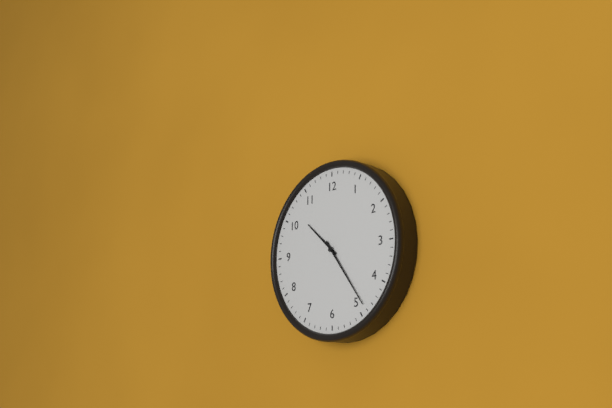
10:24
